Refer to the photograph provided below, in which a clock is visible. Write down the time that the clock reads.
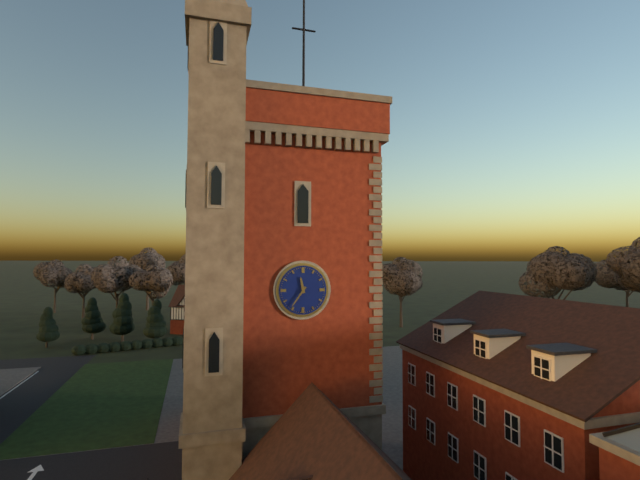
11:36
